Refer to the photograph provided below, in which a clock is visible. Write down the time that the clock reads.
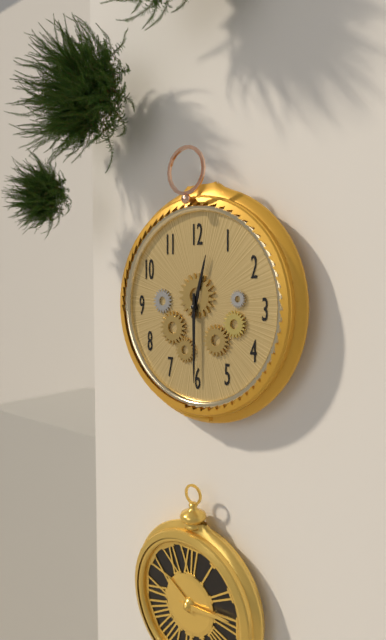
12:30
